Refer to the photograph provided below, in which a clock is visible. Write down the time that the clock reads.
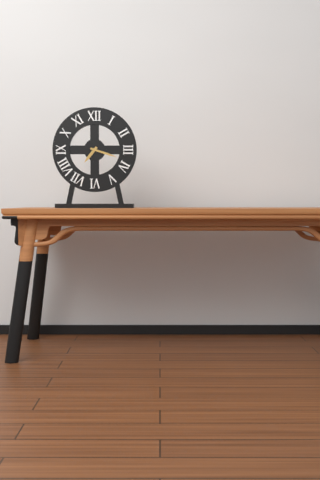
7:18
